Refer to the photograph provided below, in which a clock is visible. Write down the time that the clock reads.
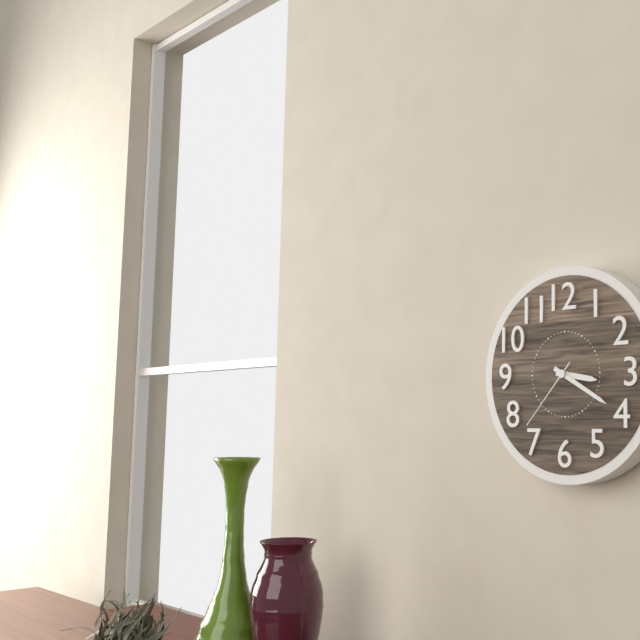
3:20:37
